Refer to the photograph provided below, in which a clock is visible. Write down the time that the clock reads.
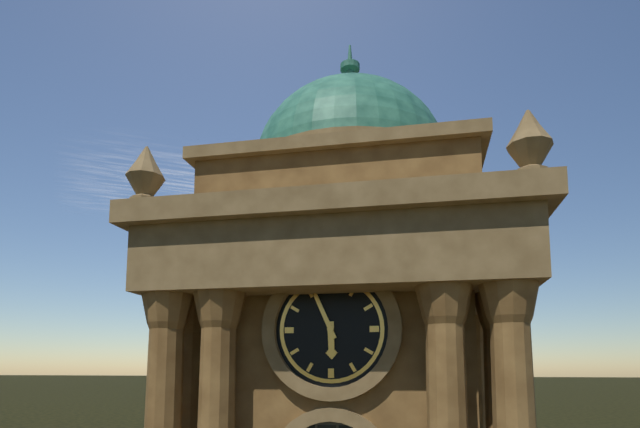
5:56
